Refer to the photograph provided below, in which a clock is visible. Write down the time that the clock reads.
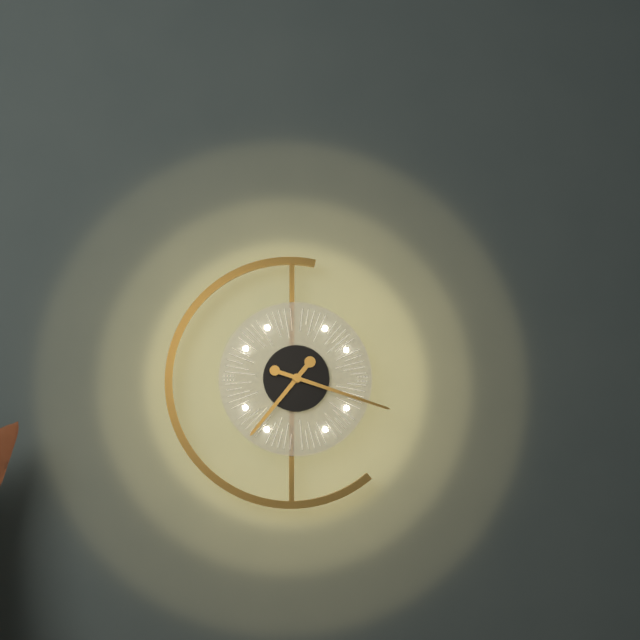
7:18
